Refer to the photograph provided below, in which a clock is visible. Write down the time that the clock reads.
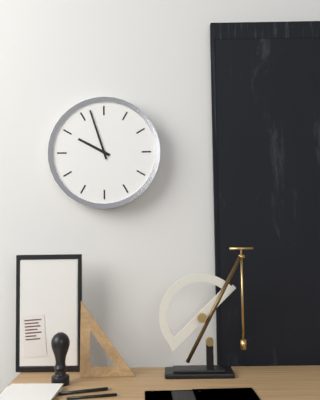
9:57
